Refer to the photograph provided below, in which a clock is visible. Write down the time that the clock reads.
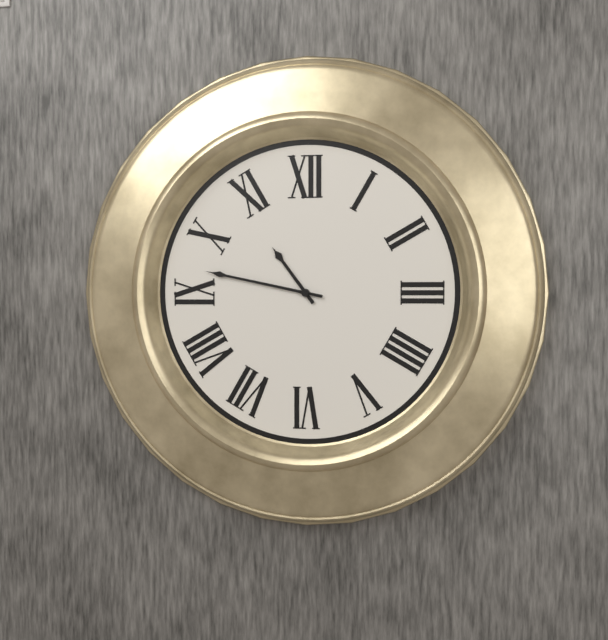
10:47
